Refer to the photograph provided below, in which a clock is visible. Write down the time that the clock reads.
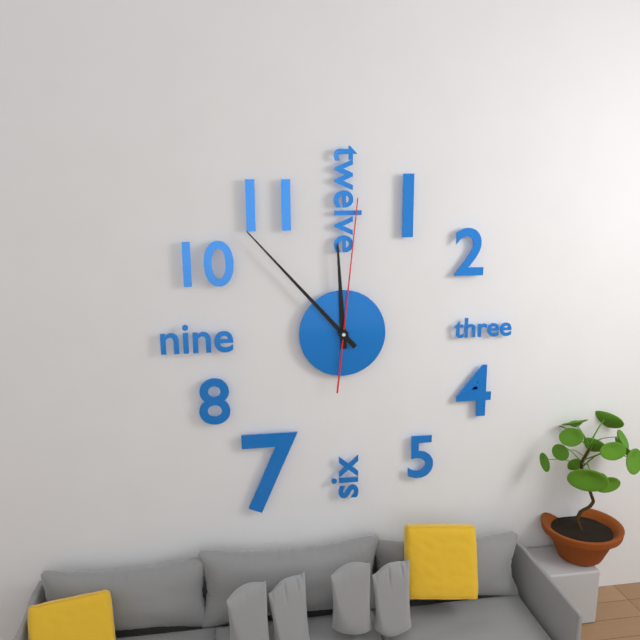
11:53:01
